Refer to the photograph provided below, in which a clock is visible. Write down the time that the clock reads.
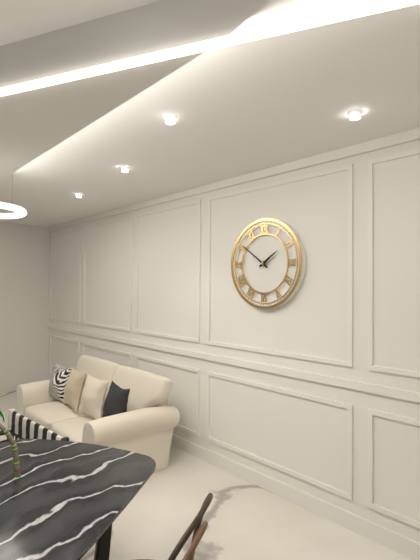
1:51
